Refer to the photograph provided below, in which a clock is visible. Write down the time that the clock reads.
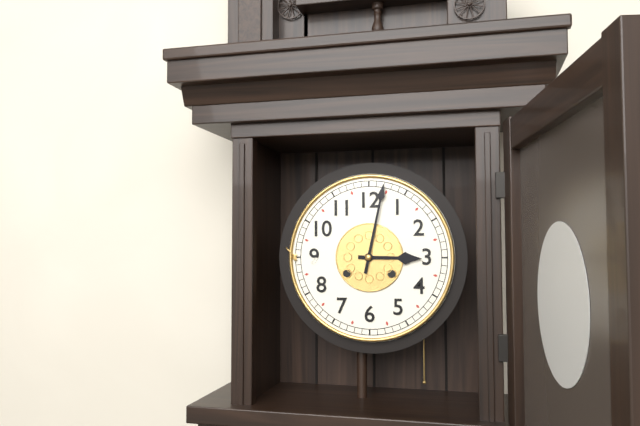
3:02
